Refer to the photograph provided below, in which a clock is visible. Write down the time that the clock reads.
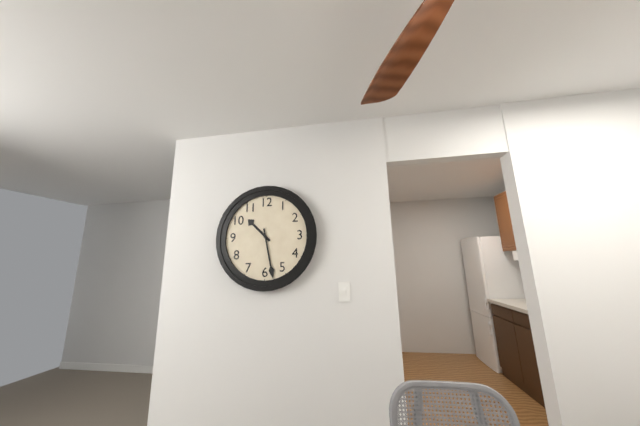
10:28
